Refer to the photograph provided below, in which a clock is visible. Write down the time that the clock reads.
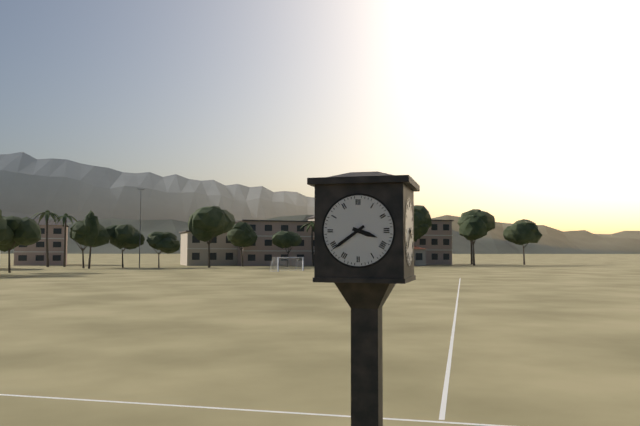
3:39
